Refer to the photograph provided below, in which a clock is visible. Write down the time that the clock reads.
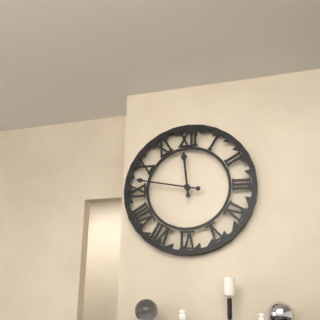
11:47
